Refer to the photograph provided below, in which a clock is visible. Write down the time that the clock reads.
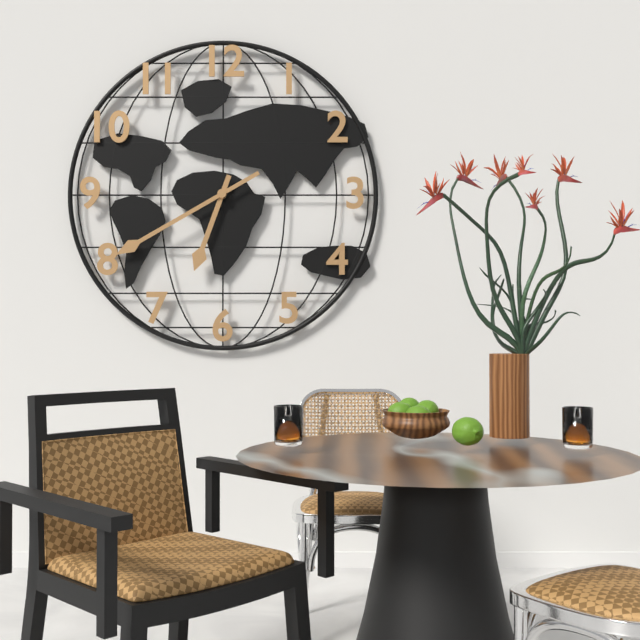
6:40
